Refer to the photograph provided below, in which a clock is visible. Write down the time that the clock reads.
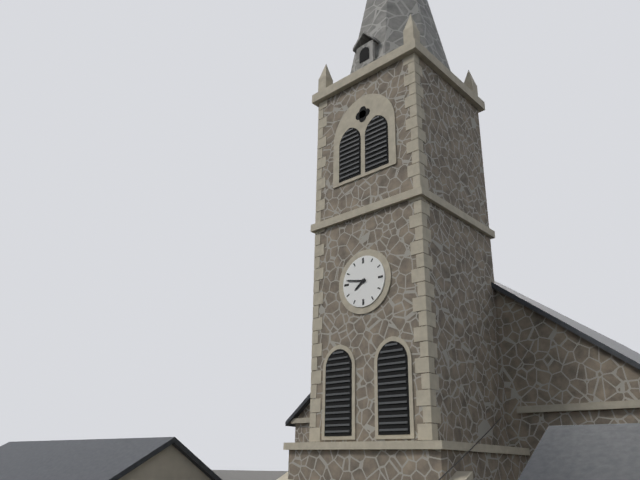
7:47
